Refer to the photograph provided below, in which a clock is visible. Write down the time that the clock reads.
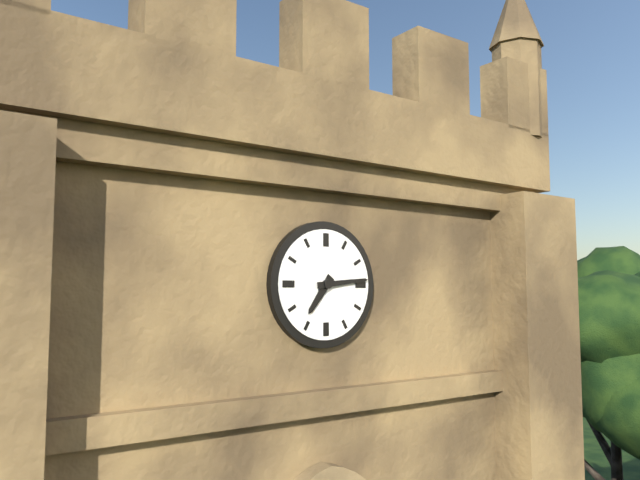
7:14
